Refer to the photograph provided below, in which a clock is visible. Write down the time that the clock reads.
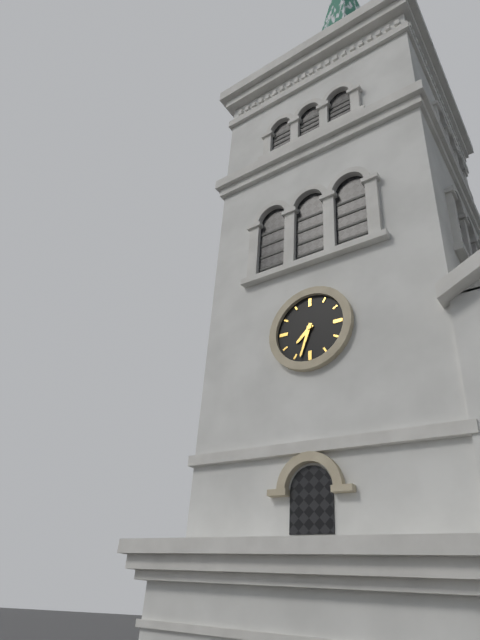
7:33
